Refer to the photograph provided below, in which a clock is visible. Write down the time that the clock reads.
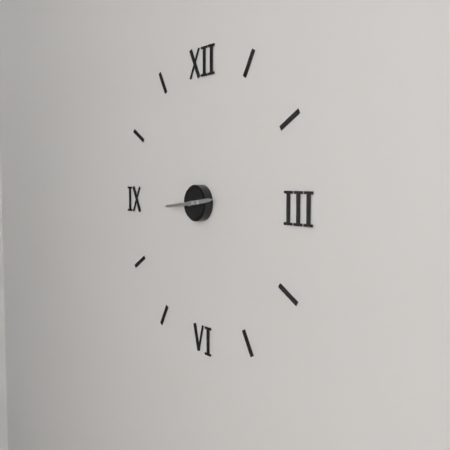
2:44
